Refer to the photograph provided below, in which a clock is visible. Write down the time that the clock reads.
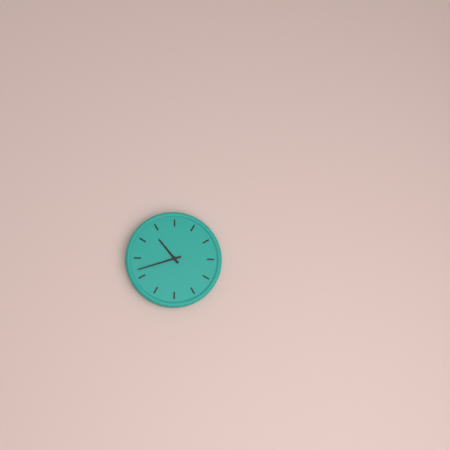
10:42
